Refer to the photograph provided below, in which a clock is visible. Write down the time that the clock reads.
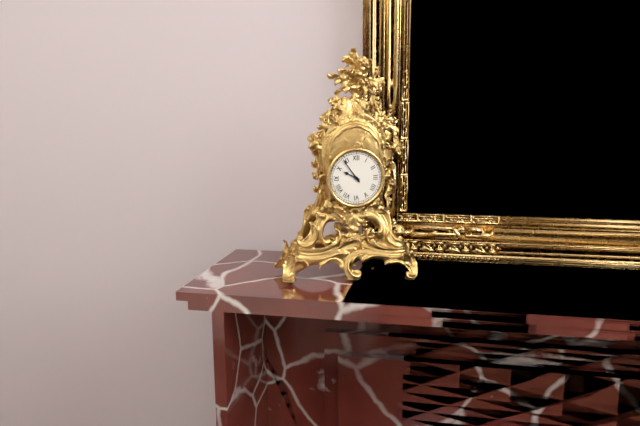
9:54
